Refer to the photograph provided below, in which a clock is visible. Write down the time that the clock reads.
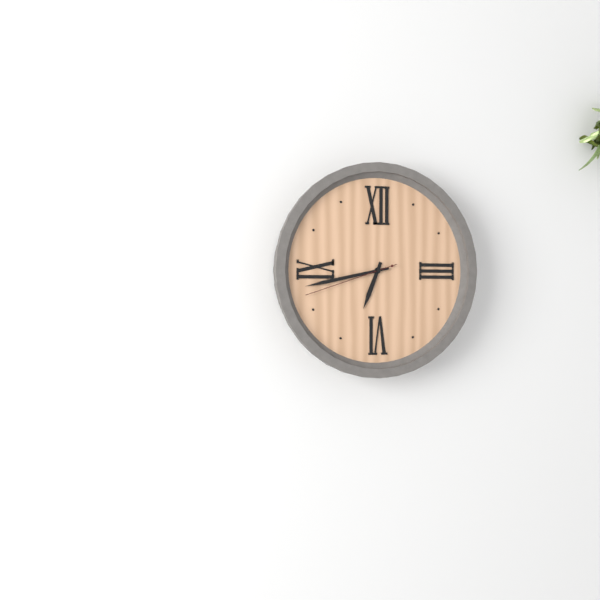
6:43:42
